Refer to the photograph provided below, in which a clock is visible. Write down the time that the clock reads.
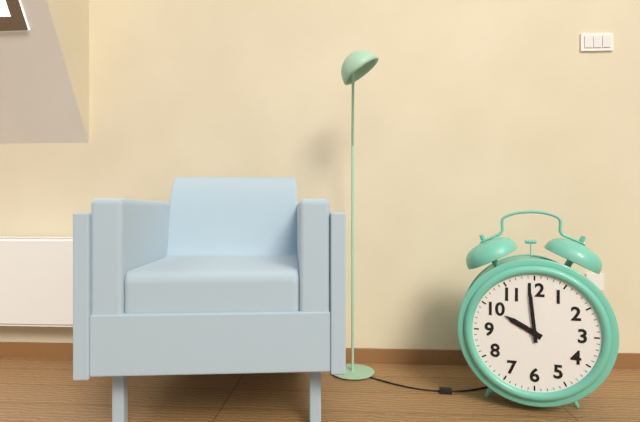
9:59
